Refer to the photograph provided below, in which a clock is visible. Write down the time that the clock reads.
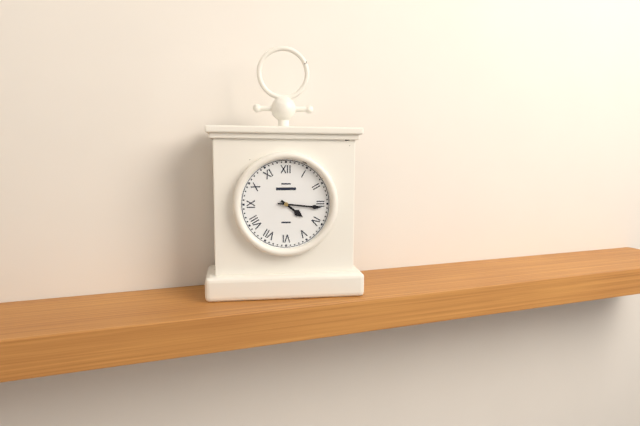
4:16
